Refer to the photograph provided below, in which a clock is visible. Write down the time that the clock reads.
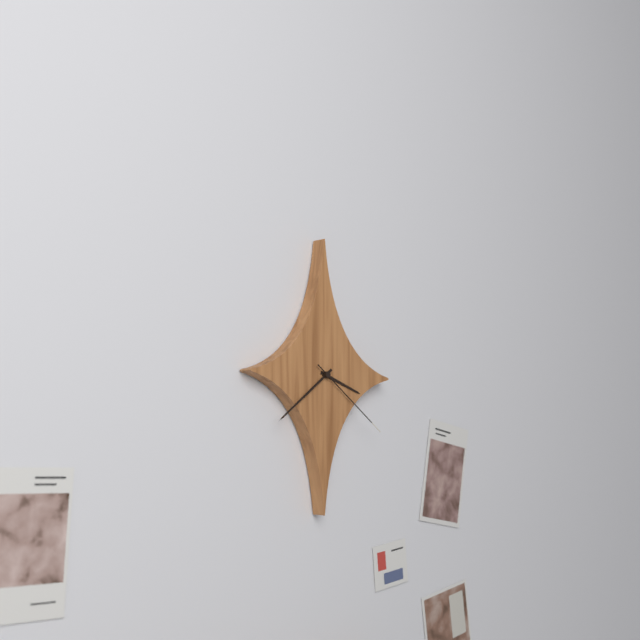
3:39:21
